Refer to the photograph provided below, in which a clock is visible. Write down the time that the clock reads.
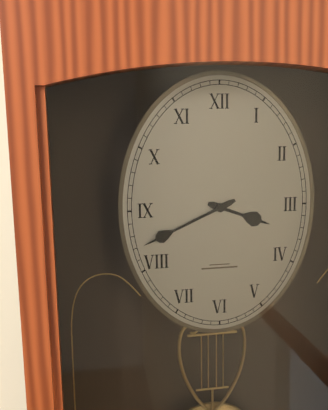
3:41
